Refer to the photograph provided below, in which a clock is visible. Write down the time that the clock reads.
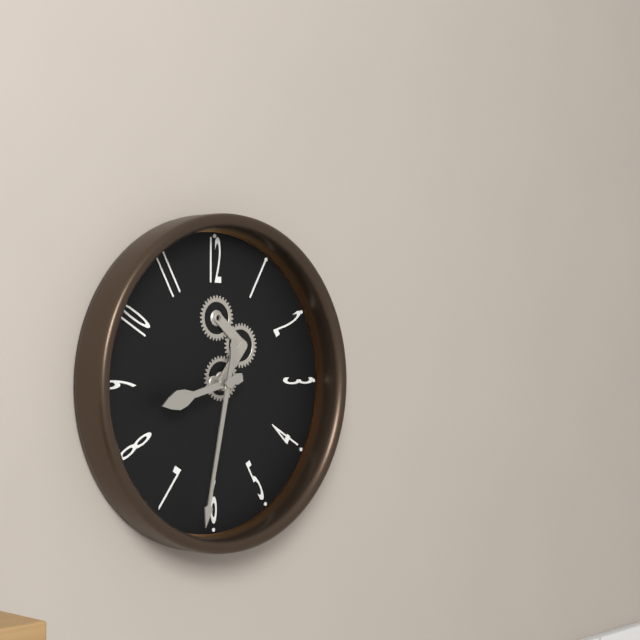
8:32
